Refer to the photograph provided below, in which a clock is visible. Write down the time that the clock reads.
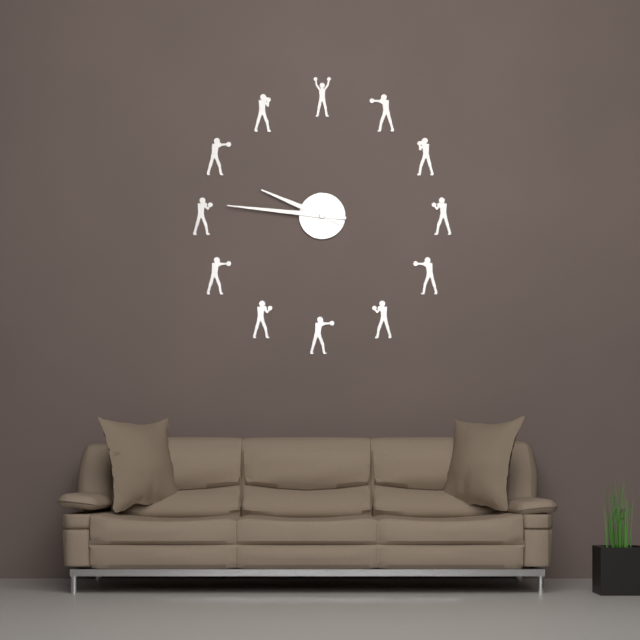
9:46
